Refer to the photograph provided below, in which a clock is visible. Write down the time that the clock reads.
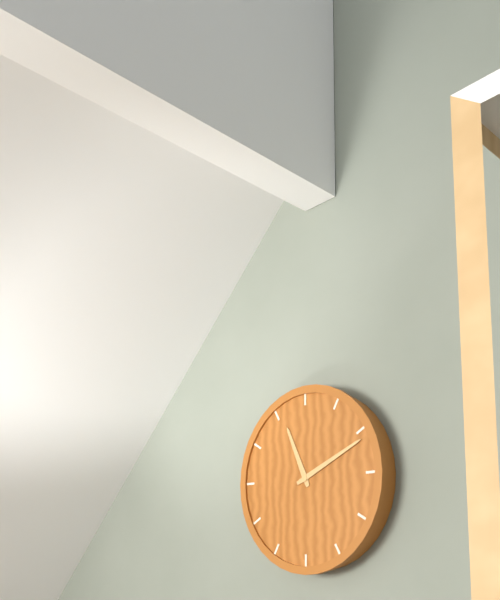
11:11
